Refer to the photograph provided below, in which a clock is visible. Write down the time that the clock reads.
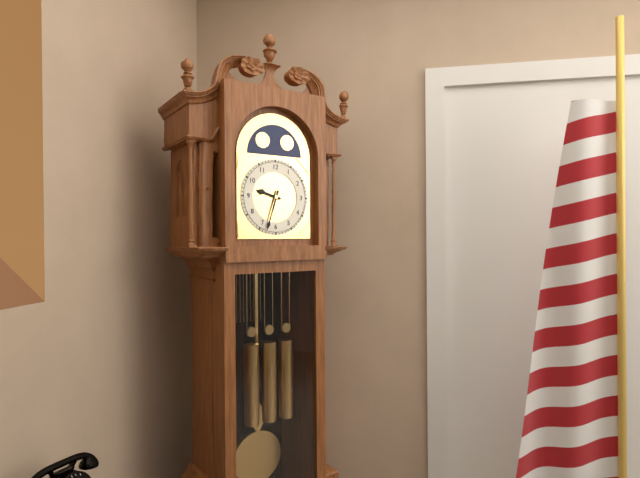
9:33
